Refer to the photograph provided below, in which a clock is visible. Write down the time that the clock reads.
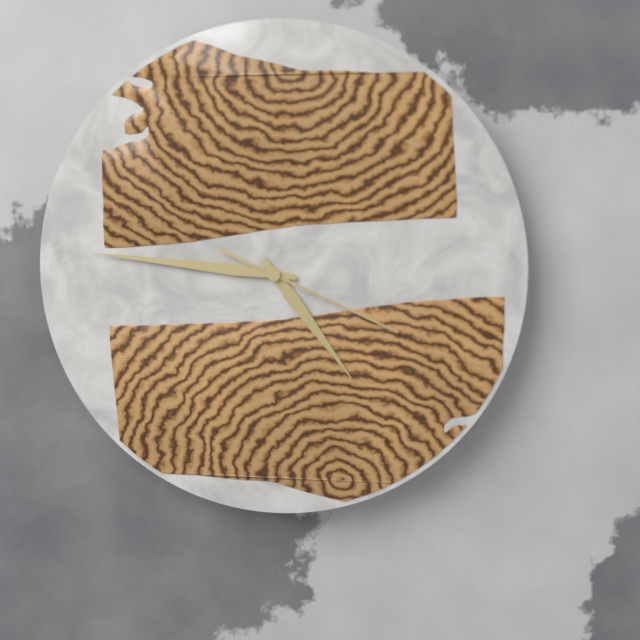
4:46:19
